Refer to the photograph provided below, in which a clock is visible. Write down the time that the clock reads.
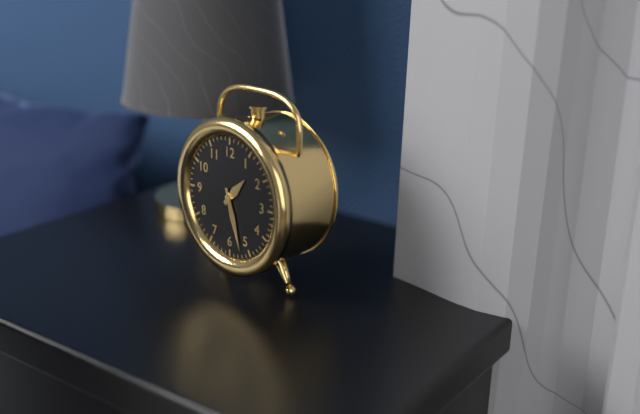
1:27
